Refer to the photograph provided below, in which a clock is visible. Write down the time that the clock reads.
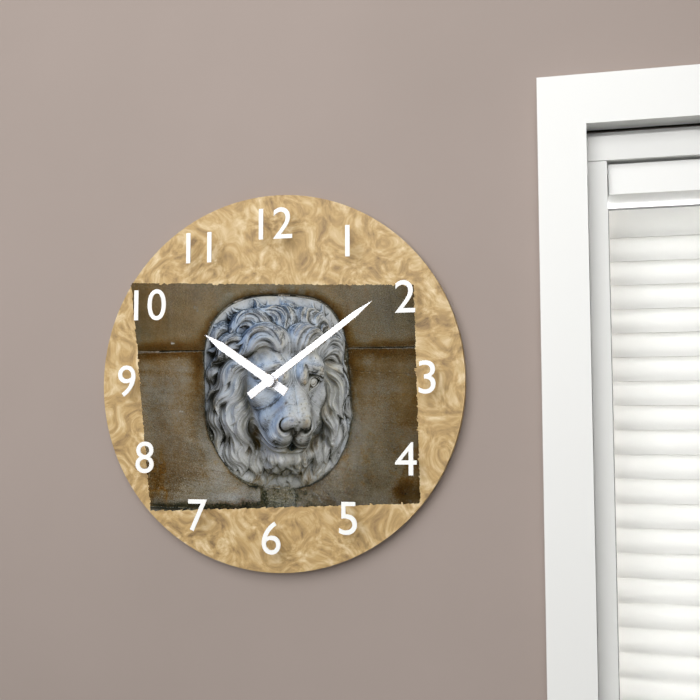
10:09
